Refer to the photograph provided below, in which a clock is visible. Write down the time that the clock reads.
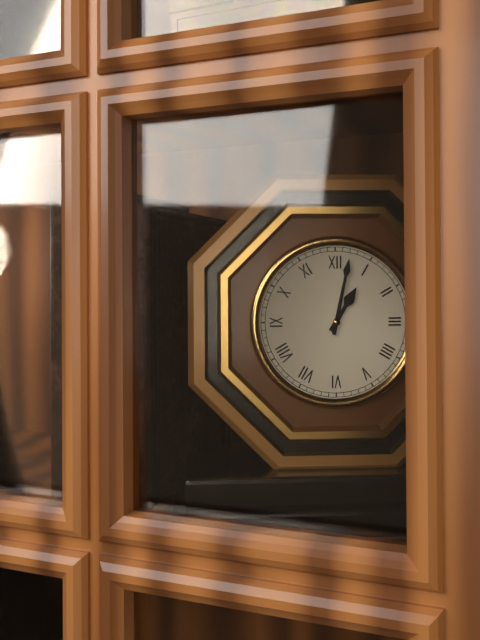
1:02
